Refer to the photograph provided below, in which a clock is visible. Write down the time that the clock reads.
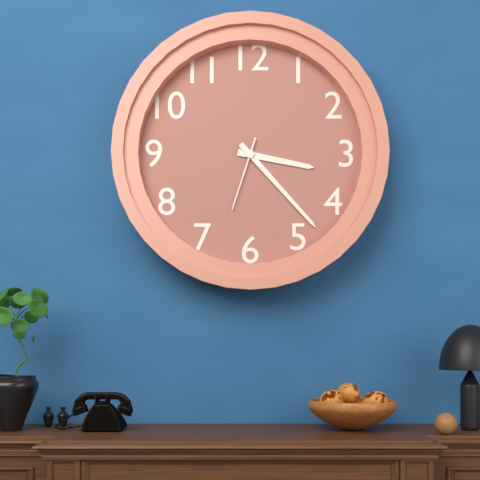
3:23:33
